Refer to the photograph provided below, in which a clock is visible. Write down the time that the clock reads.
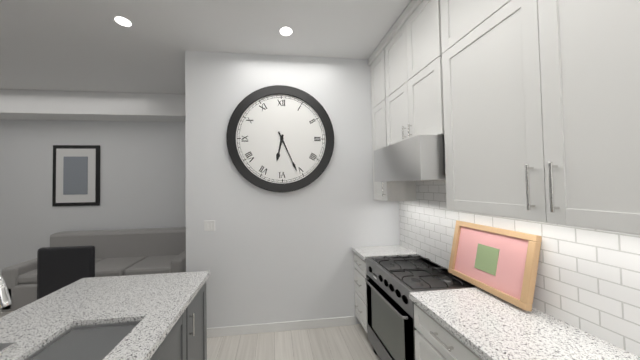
6:26
